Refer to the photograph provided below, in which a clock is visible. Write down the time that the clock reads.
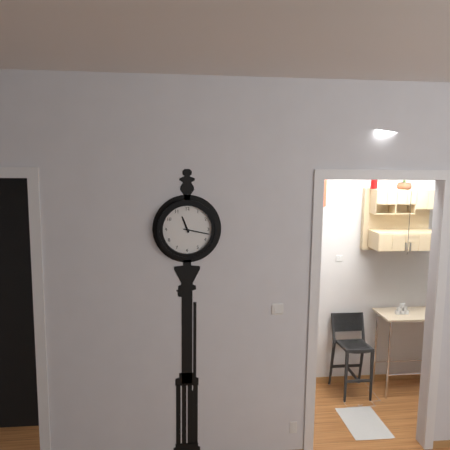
11:17
